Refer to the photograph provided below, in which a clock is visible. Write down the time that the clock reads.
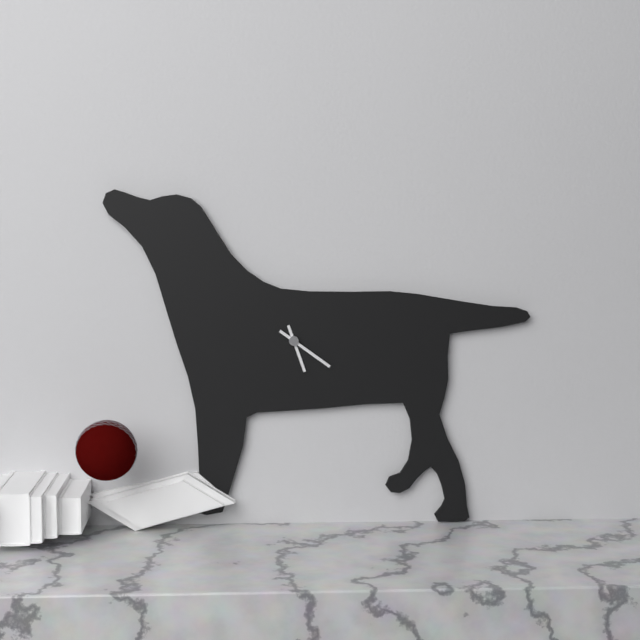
5:21
